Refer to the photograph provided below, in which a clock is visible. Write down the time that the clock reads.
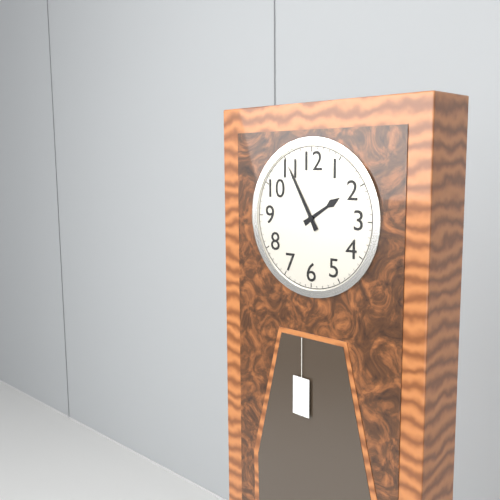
1:55
